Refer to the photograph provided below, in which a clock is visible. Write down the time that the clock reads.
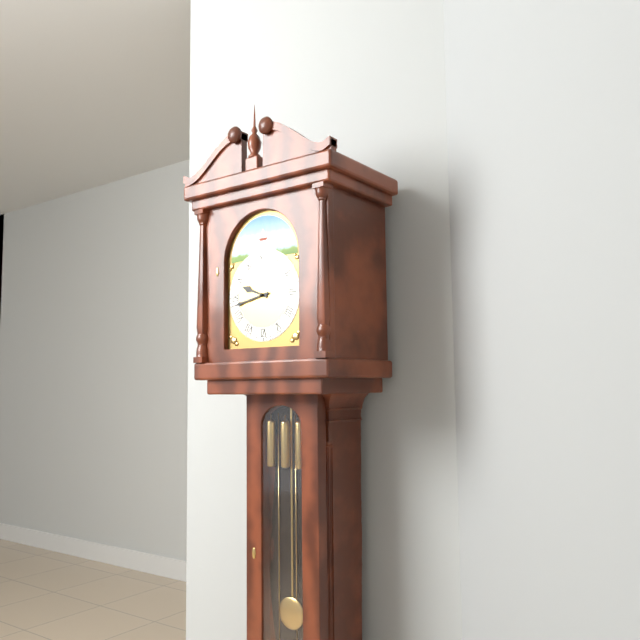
9:43
